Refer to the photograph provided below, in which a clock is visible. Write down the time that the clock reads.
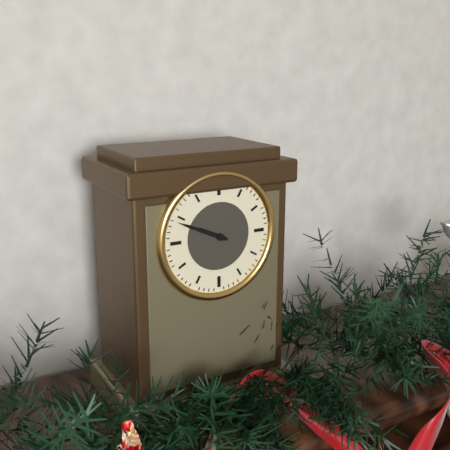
9:49
